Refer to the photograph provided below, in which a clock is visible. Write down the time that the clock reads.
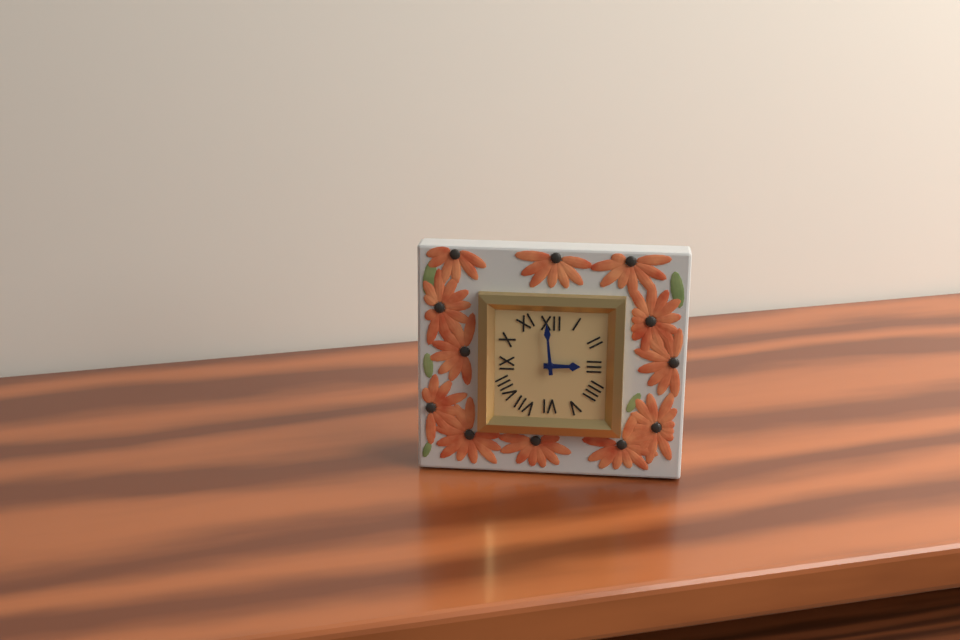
2:59
